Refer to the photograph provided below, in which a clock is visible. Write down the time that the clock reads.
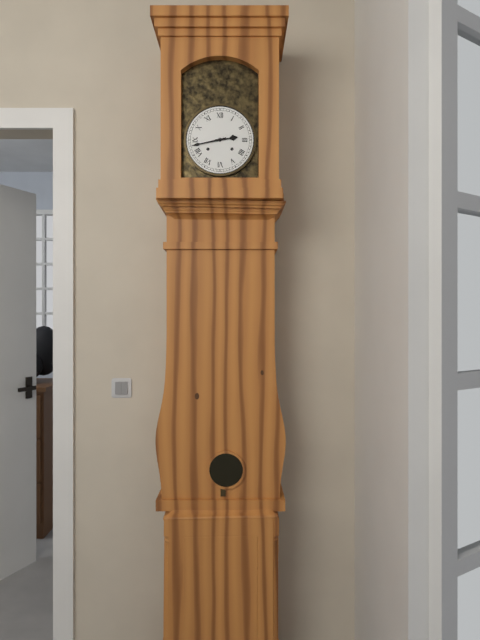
2:43
